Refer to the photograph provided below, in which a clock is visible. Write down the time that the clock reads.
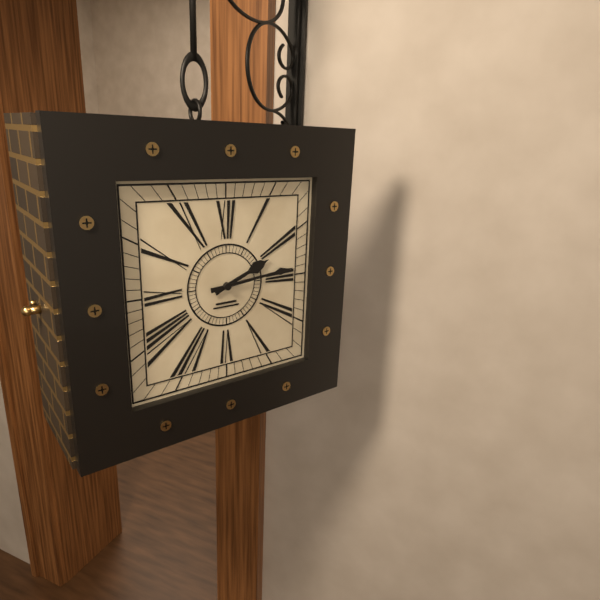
2:14
